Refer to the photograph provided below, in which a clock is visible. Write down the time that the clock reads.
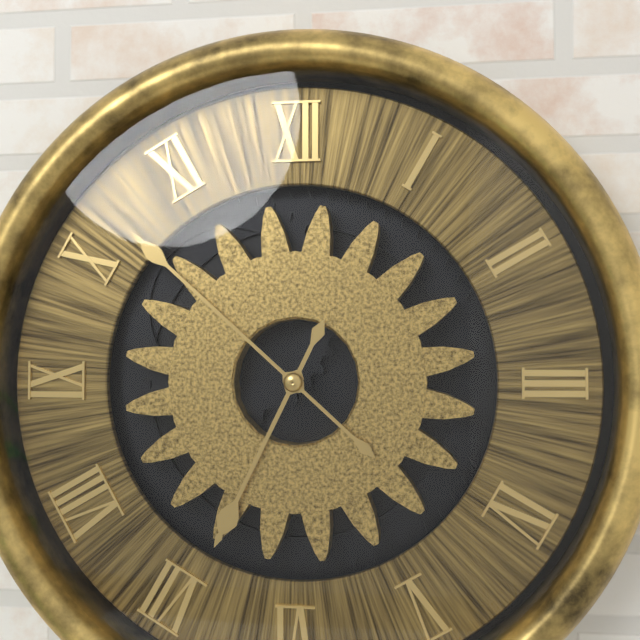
6:52
